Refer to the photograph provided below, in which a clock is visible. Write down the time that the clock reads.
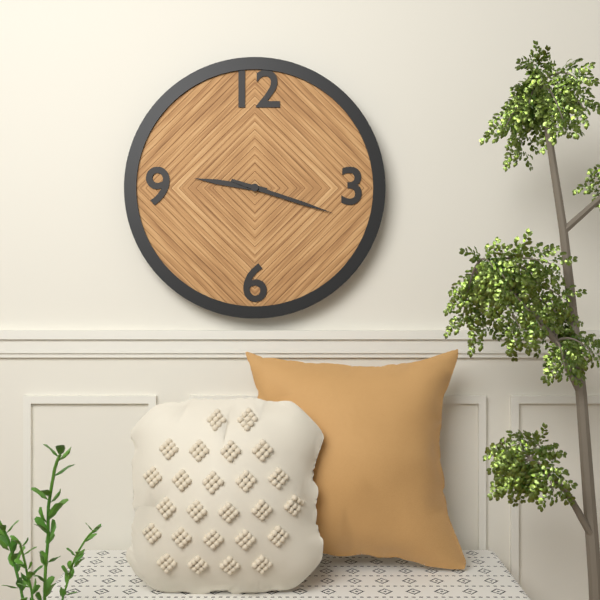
9:18
